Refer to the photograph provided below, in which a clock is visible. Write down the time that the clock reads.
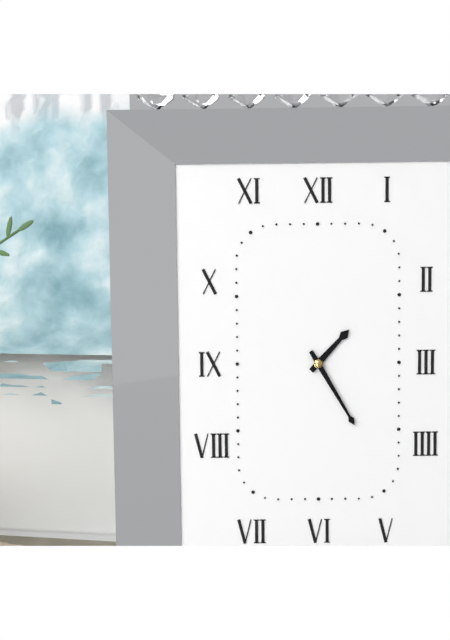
1:25
